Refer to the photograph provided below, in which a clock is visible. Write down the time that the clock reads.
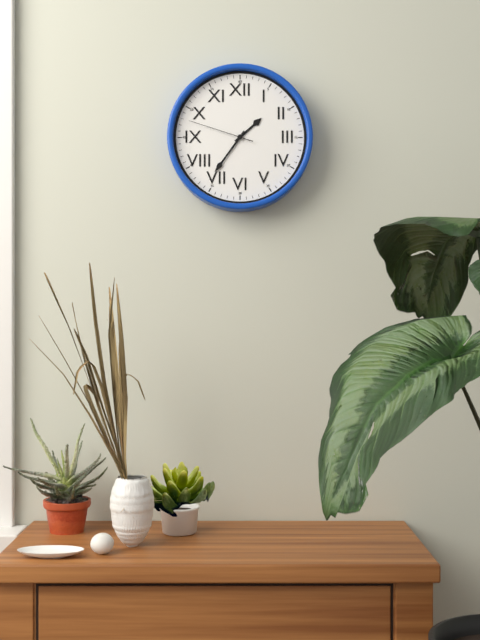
1:36:48
